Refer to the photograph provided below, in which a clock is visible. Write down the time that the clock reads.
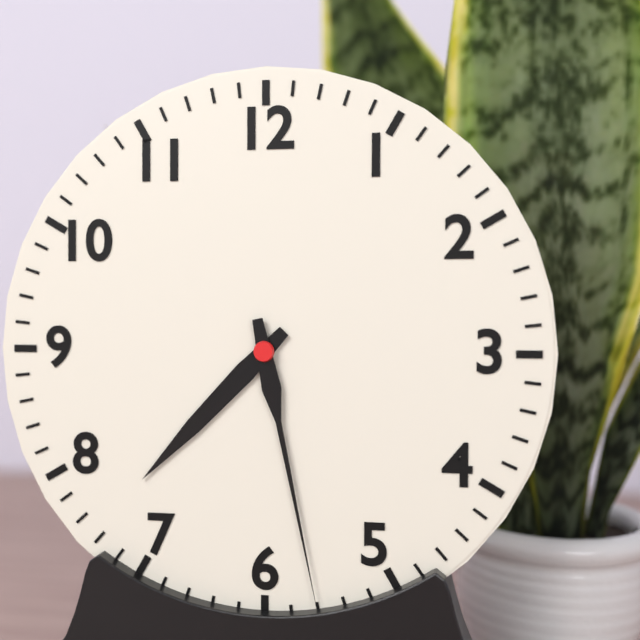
7:28
